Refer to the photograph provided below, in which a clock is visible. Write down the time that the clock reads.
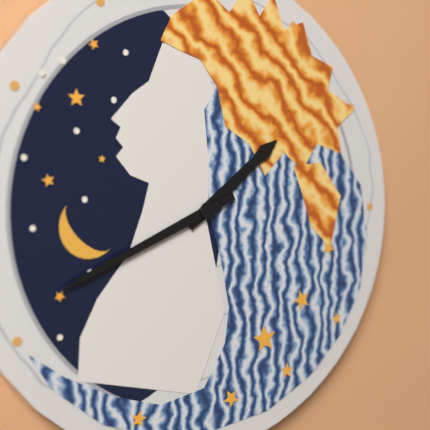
1:41
